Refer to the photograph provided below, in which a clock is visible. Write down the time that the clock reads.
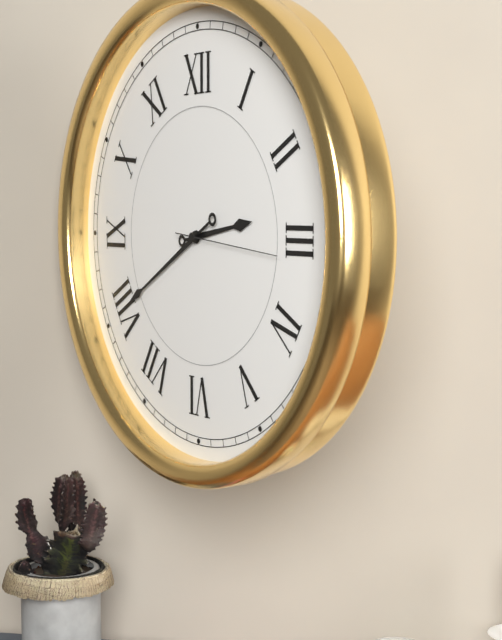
2:40:16
